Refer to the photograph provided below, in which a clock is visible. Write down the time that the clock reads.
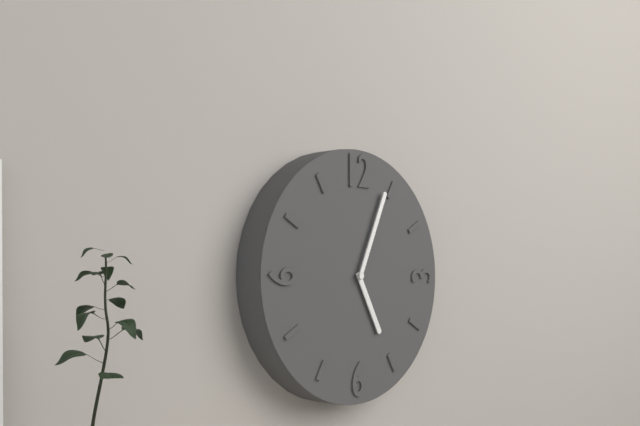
5:04
